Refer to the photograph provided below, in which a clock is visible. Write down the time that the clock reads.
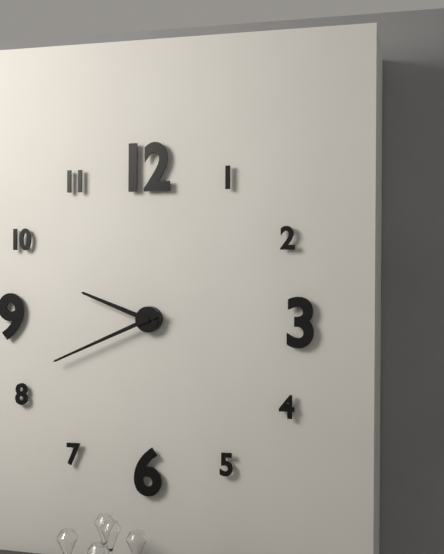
9:41
